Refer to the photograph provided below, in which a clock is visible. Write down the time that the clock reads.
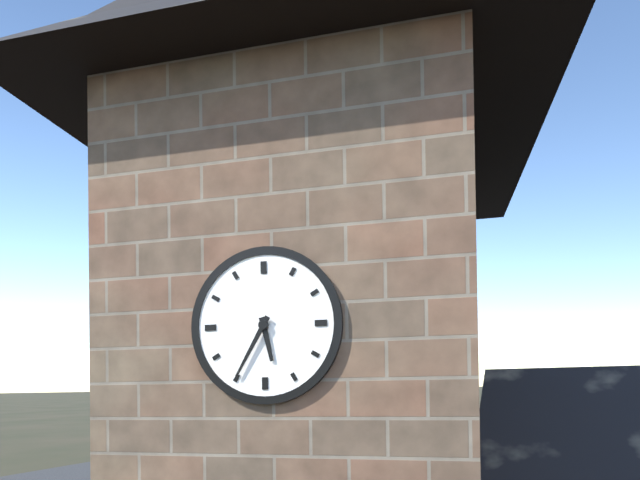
5:35
